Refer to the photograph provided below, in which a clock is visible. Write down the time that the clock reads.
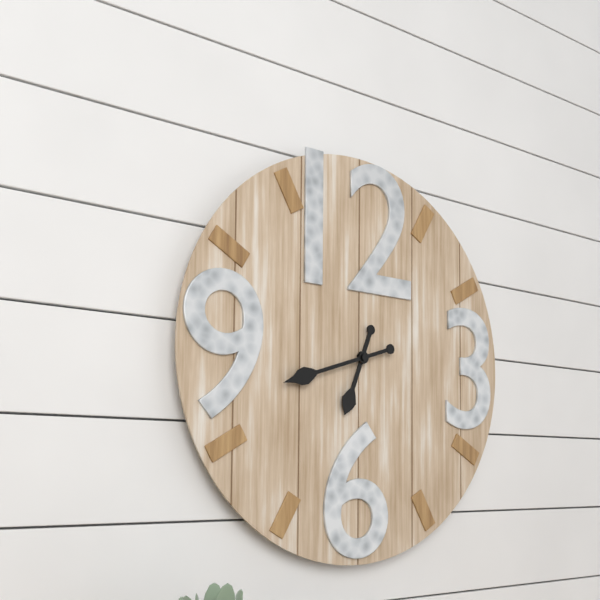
6:42
